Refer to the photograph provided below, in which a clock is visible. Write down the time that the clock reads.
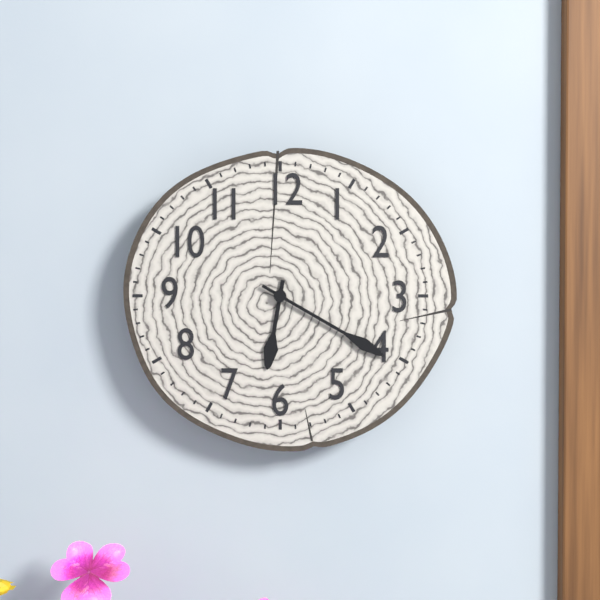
6:20
